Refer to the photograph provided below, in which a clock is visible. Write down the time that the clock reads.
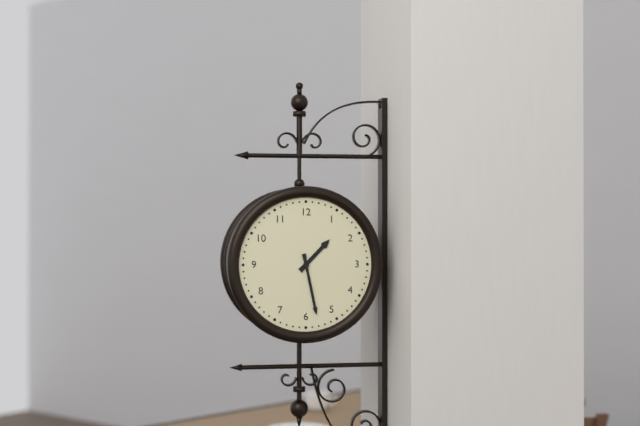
1:28
